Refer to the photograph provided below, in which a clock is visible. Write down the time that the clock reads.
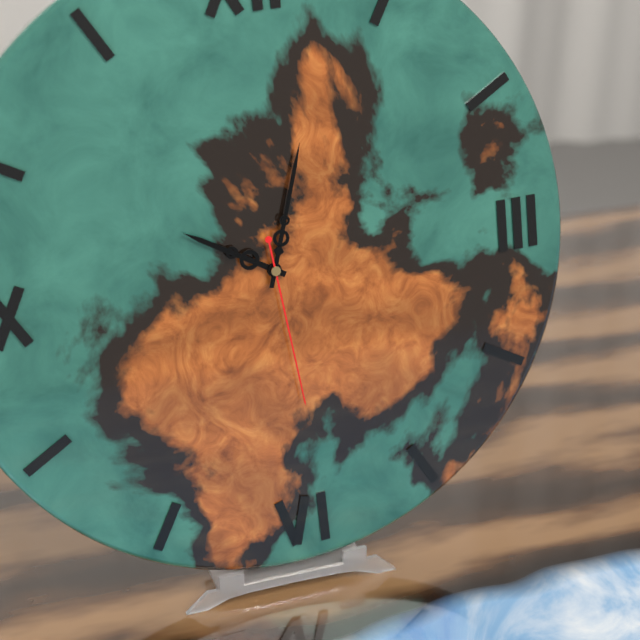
10:03:29
